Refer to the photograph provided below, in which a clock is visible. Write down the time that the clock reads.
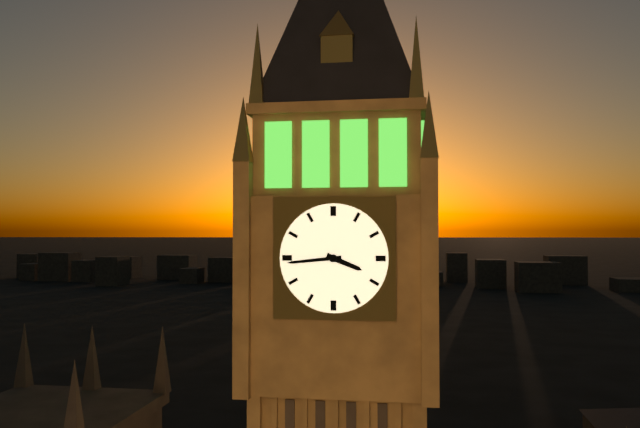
3:44
